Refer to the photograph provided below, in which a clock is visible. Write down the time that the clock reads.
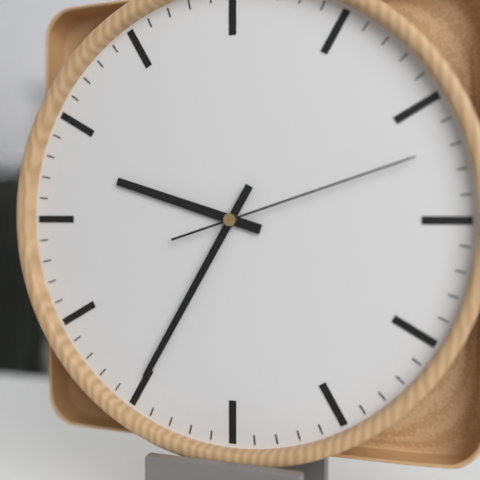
9:35:12
